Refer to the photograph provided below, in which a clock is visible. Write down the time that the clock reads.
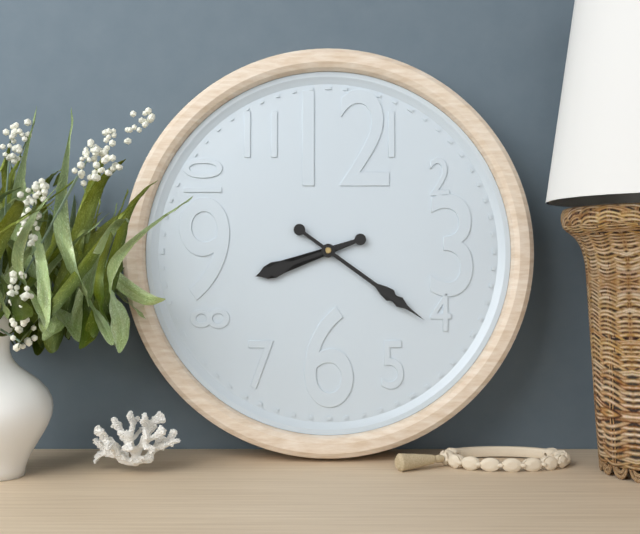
8:21
